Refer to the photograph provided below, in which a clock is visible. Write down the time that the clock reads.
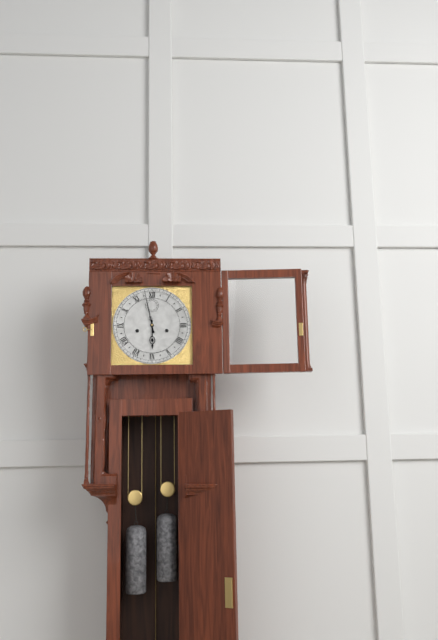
5:58
